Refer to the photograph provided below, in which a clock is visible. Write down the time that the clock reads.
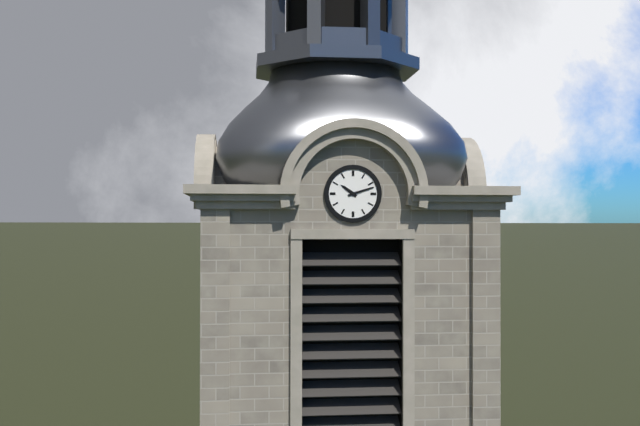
10:12
